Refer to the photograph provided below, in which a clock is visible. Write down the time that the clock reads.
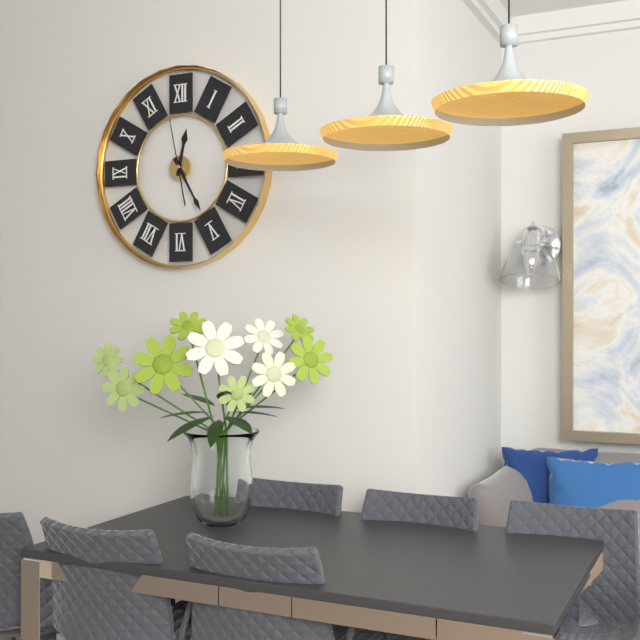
12:25:58
